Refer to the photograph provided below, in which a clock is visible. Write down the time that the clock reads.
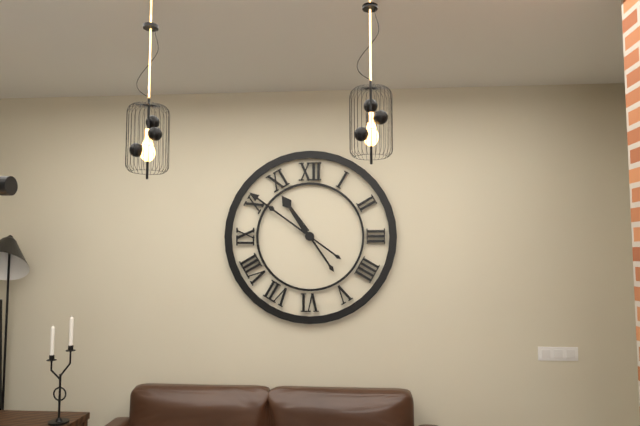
10:51
